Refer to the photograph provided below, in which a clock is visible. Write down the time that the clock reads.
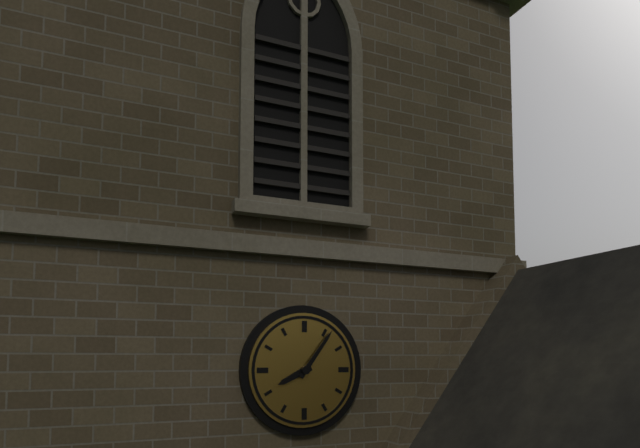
8:06
